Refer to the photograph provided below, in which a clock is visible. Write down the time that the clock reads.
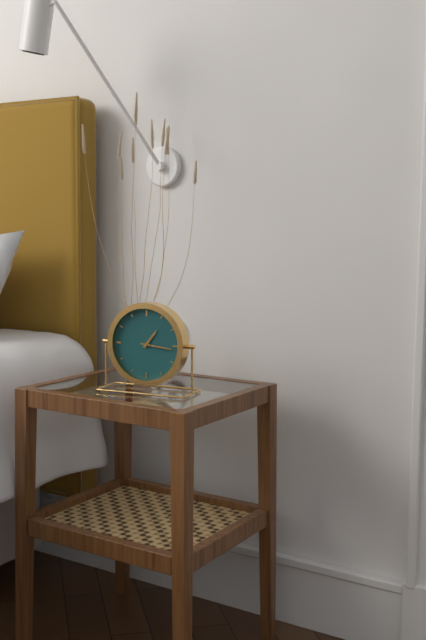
1:16
